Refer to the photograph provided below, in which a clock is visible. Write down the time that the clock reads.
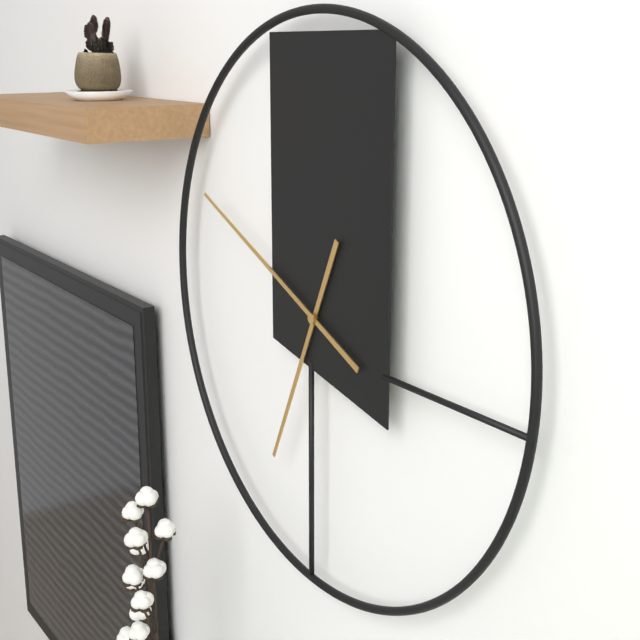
6:49
